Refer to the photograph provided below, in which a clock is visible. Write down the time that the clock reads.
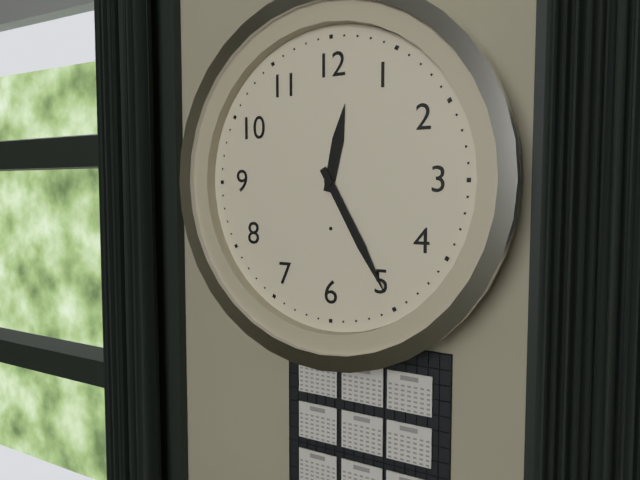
12:25
